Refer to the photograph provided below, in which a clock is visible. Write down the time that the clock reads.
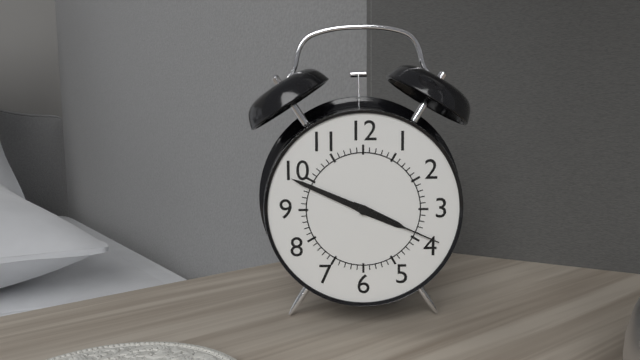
3:49:19
